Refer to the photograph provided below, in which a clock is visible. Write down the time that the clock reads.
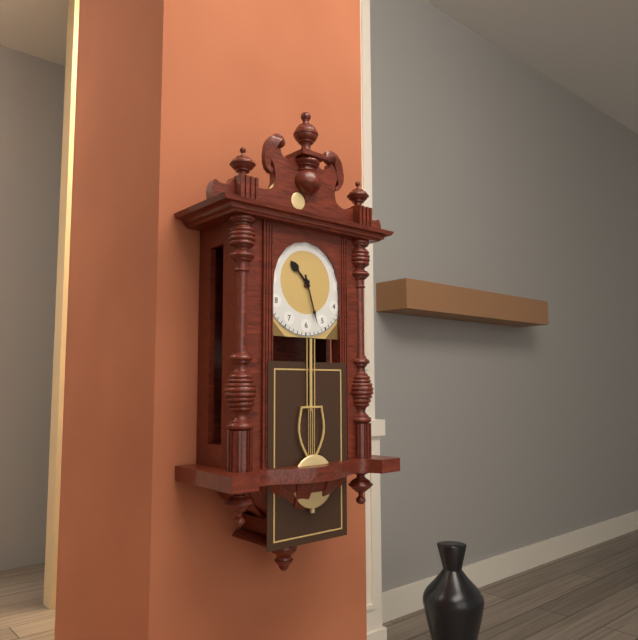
10:27
